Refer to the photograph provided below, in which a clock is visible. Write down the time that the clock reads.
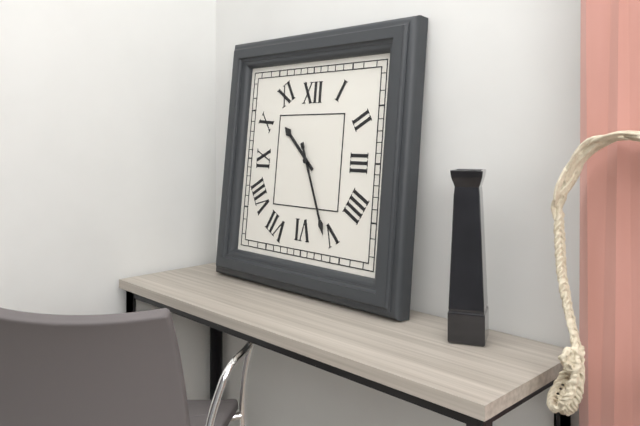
10:26
